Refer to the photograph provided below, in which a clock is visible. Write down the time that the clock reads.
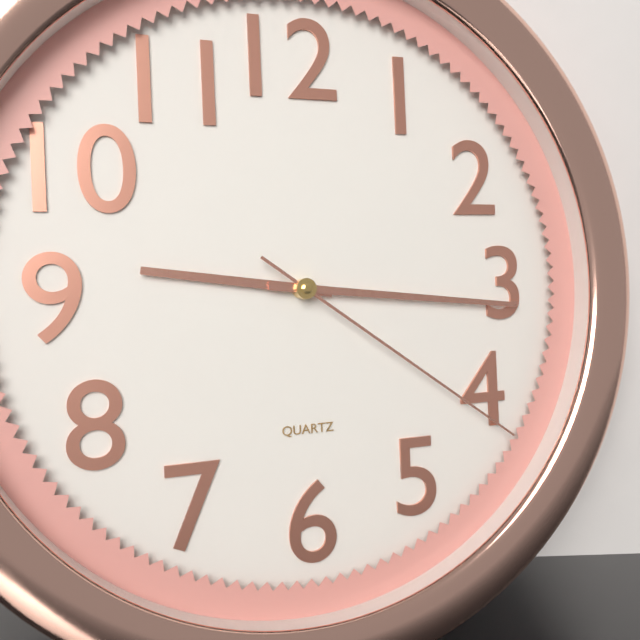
9:16:21
